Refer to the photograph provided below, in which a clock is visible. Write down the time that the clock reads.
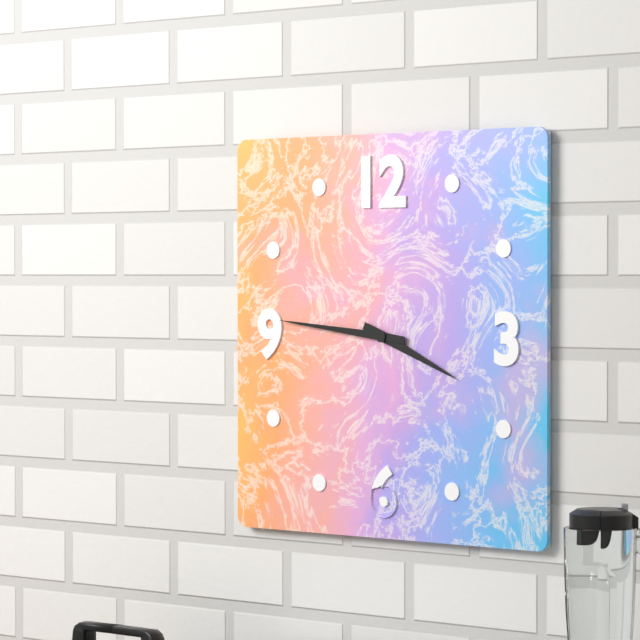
3:46
